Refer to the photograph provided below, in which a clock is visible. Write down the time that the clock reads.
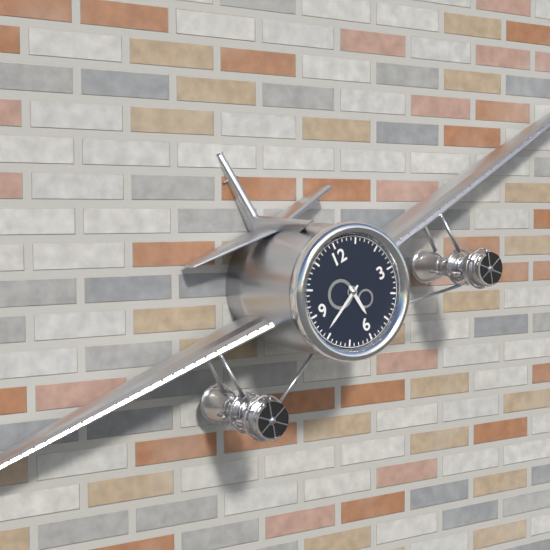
5:41
